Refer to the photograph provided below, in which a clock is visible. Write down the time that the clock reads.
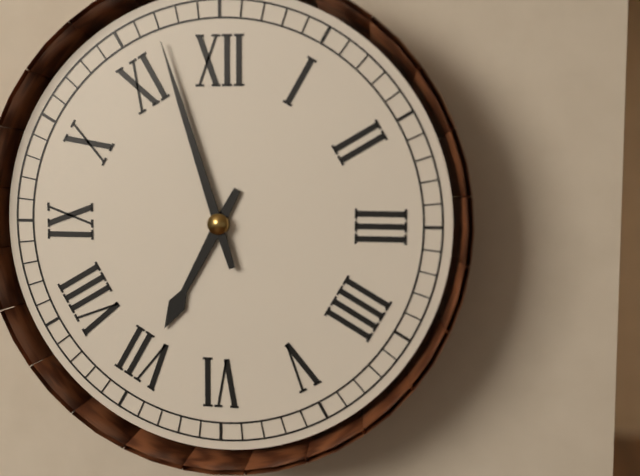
6:57
